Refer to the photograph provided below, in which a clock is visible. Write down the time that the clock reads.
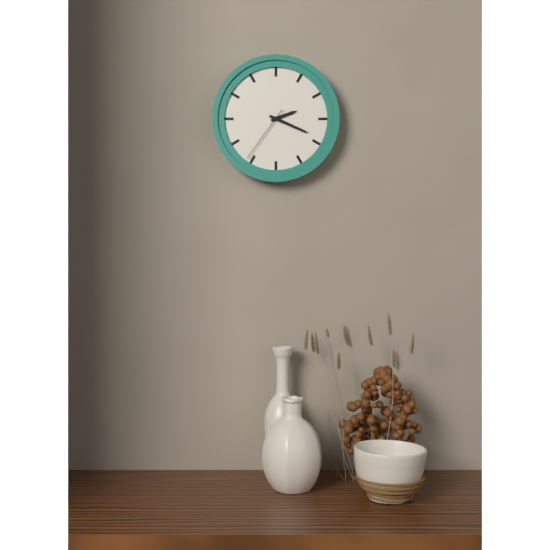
2:19:36
